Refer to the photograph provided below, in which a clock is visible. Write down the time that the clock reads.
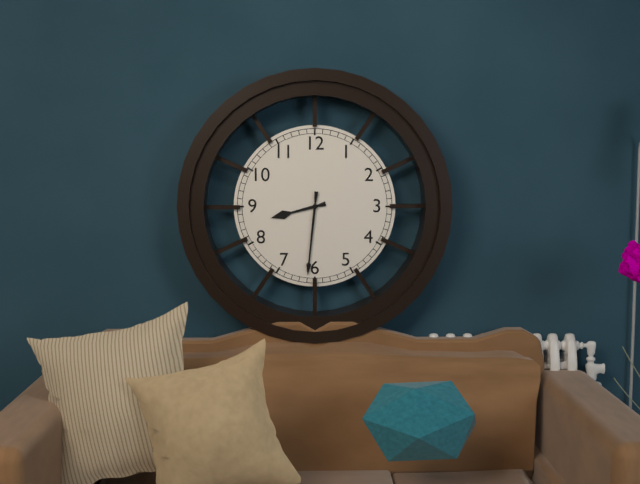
8:31
